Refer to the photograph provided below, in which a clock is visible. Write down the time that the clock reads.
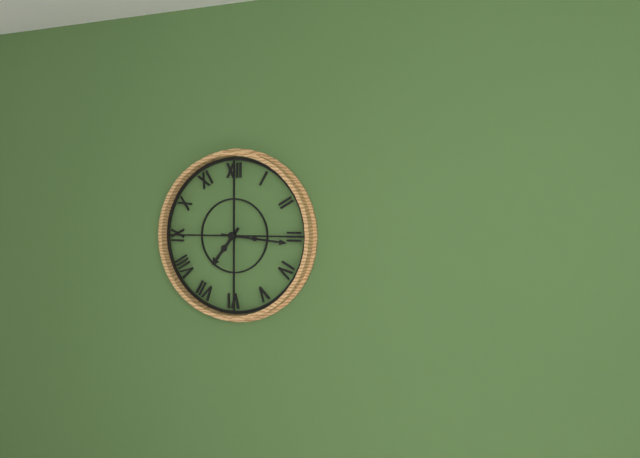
7:16
